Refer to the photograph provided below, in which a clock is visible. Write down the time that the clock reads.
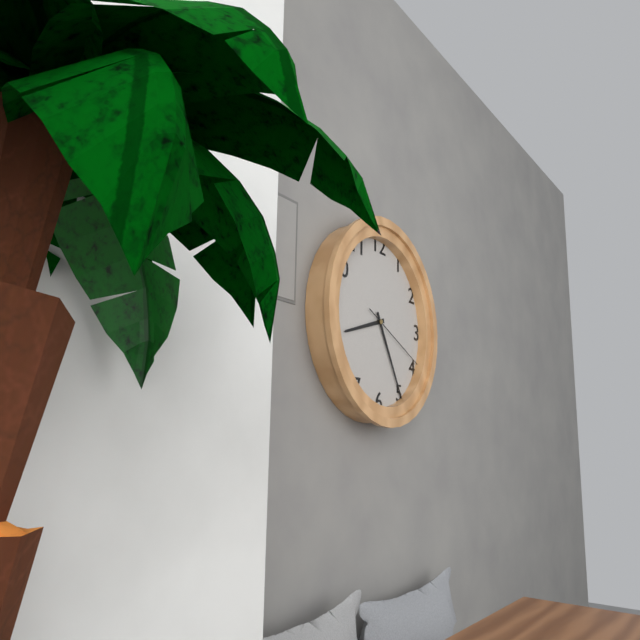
8:25:19
